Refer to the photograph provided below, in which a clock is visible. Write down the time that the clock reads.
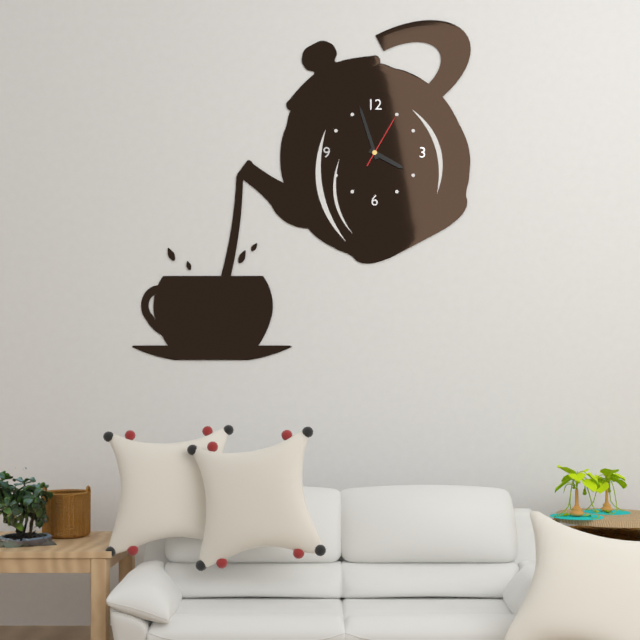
3:57:05
